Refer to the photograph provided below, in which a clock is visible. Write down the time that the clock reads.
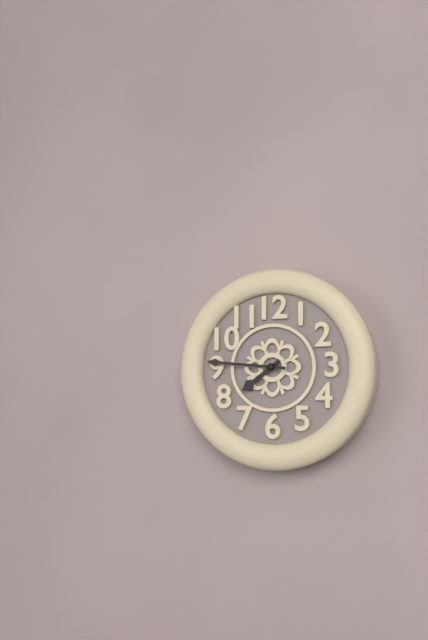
7:46
